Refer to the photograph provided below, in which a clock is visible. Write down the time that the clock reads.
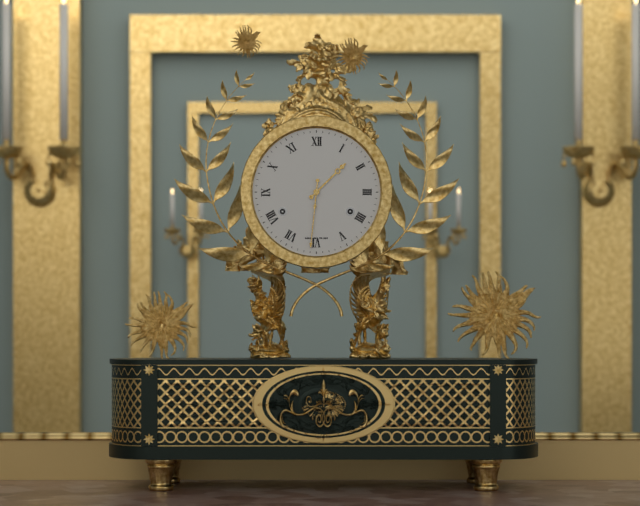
1:31
